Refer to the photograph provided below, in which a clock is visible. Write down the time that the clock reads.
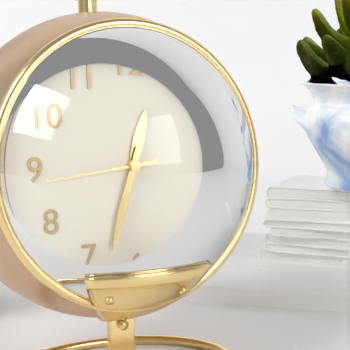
12:33:44
